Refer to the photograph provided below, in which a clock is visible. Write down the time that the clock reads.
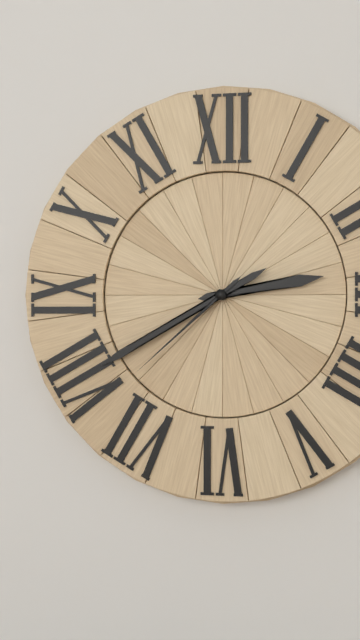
2:40:38
